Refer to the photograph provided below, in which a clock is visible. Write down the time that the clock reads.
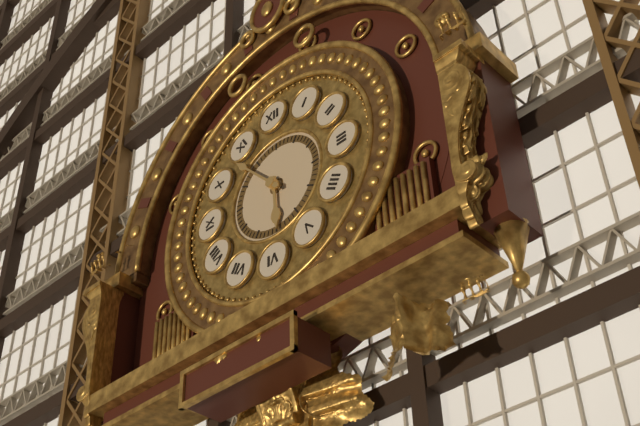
5:53
